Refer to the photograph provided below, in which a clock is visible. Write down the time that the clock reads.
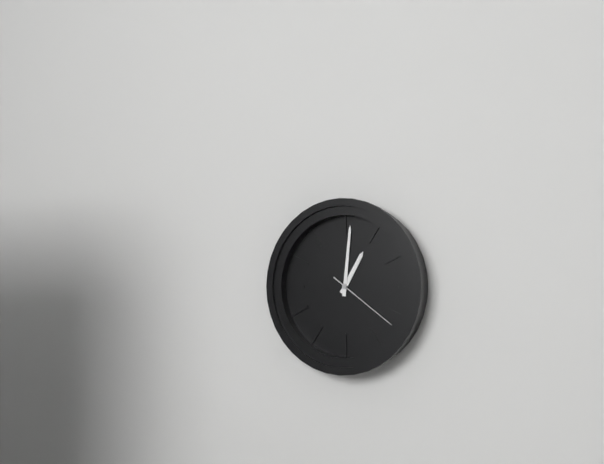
1:01:21
